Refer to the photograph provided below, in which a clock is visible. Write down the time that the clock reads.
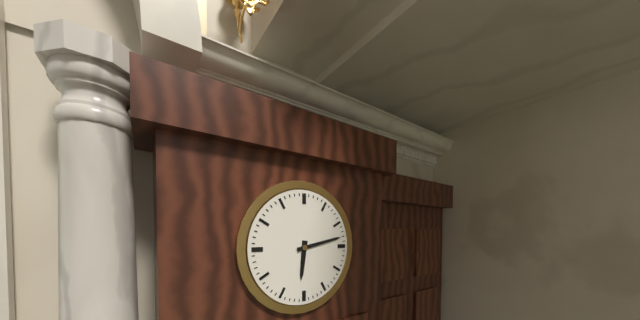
6:13
